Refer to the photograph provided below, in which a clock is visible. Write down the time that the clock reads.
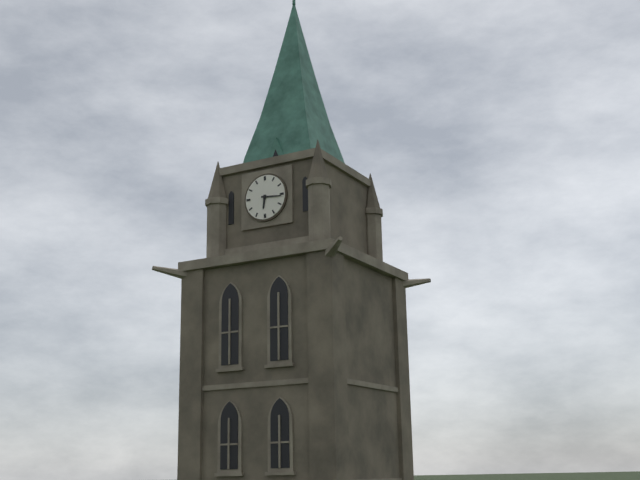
6:16
